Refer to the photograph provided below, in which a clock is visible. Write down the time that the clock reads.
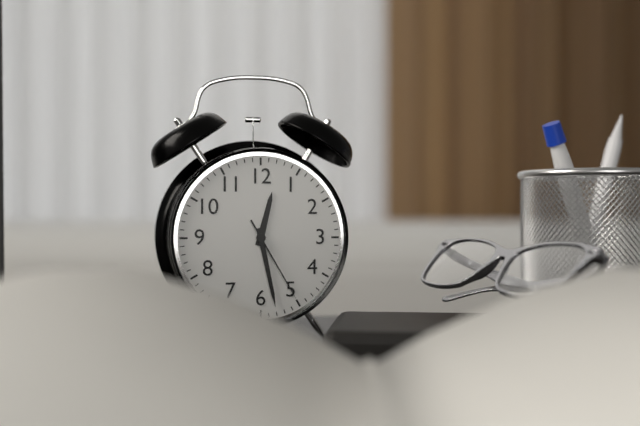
12:28:25
